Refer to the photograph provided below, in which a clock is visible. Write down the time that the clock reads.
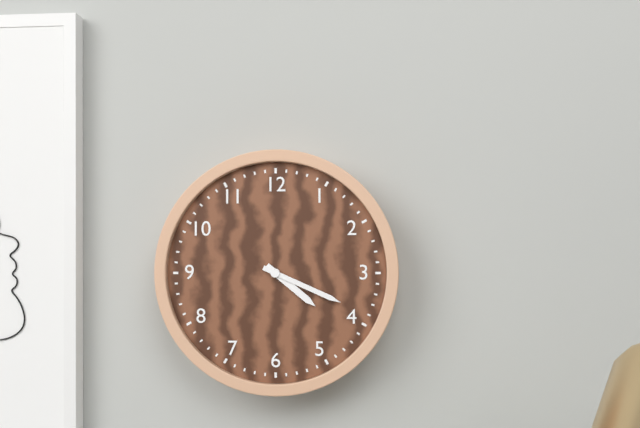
4:19
